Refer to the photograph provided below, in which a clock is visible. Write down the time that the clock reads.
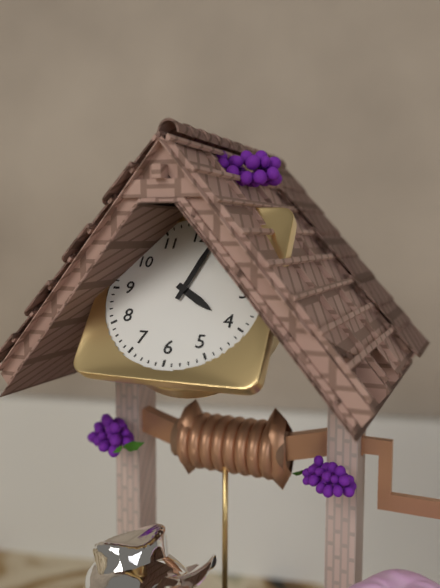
4:03
